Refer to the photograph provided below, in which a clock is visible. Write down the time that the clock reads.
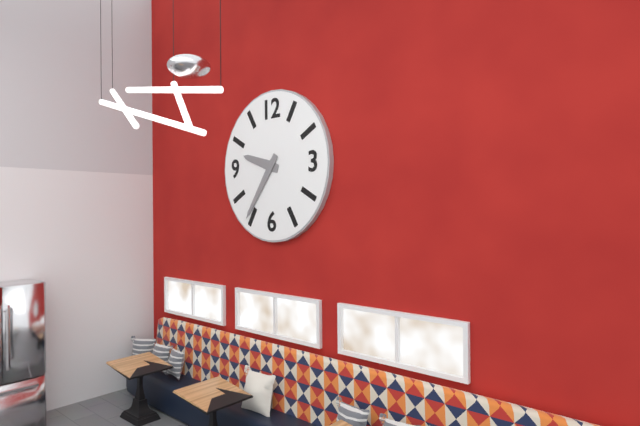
9:36
